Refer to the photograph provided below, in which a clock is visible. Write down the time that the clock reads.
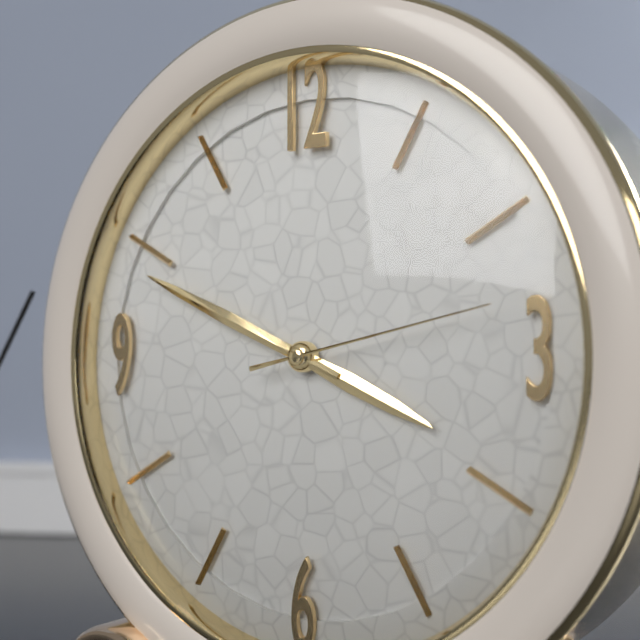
3:49:13
